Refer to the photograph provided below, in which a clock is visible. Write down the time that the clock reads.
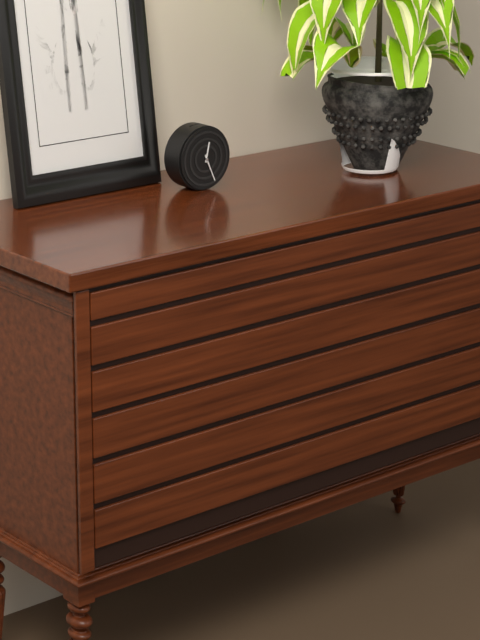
12:26
